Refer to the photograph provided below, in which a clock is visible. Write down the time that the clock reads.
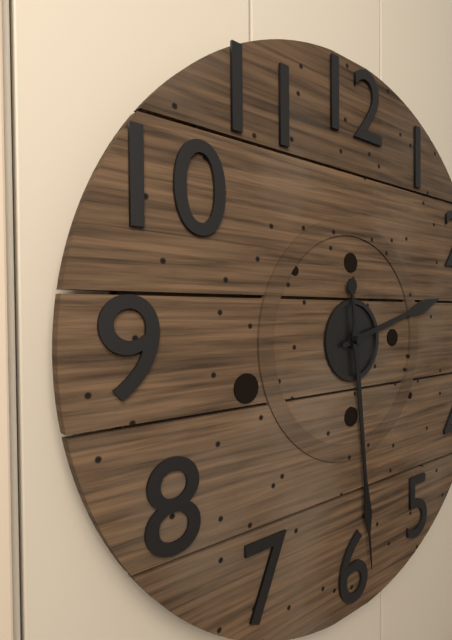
2:29
